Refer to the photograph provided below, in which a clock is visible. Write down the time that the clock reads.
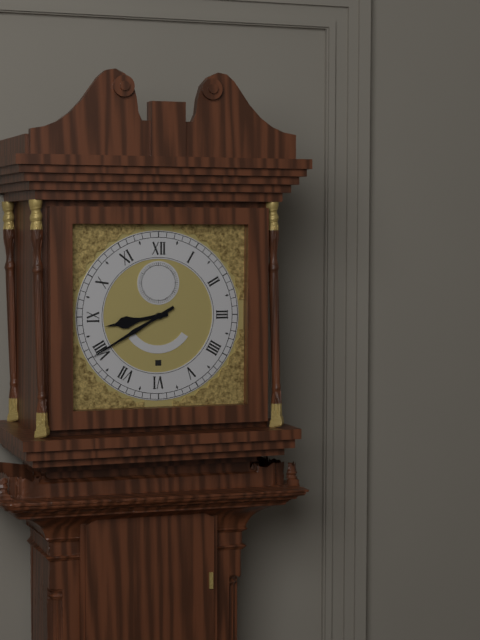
8:40
